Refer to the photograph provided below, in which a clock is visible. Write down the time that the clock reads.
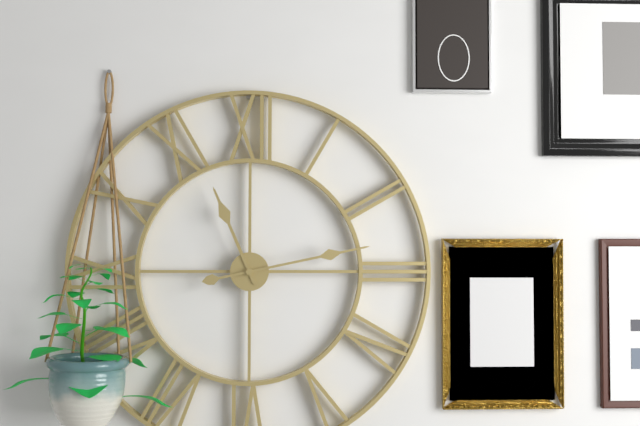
11:13
